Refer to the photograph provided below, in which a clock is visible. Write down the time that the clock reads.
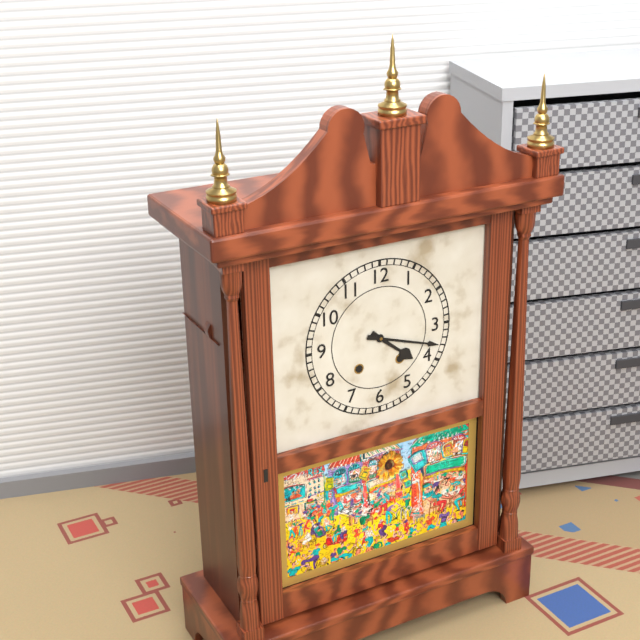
4:18
